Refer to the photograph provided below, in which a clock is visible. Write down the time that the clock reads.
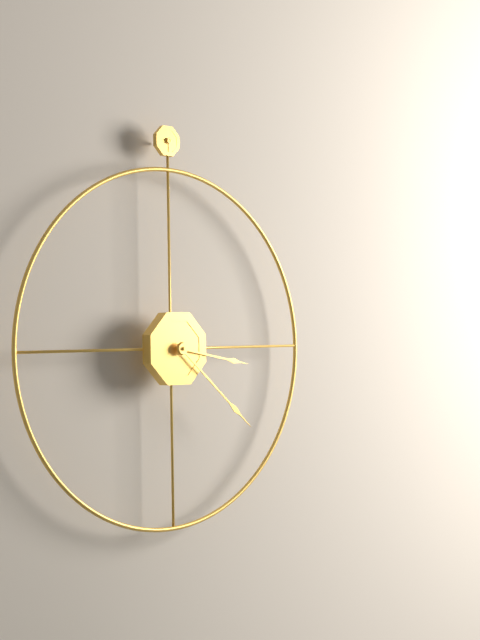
3:22
